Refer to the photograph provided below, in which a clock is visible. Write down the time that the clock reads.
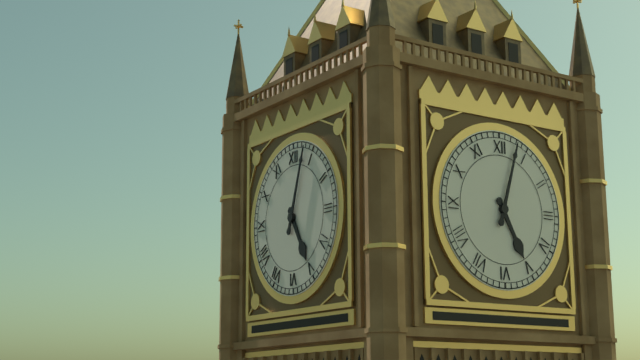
5:03
